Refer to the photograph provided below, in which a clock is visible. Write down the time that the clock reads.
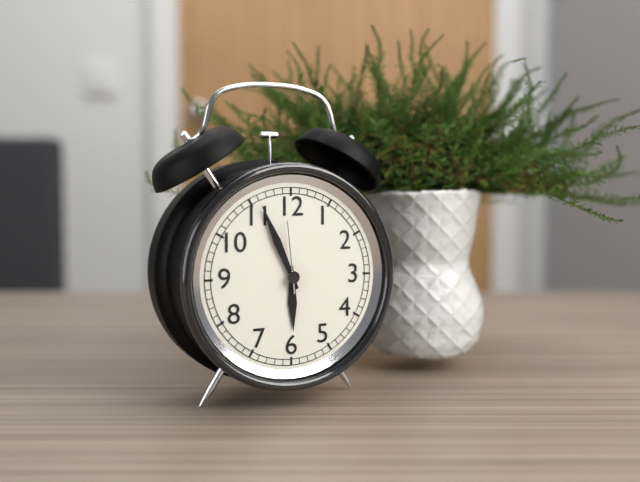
5:56:59
